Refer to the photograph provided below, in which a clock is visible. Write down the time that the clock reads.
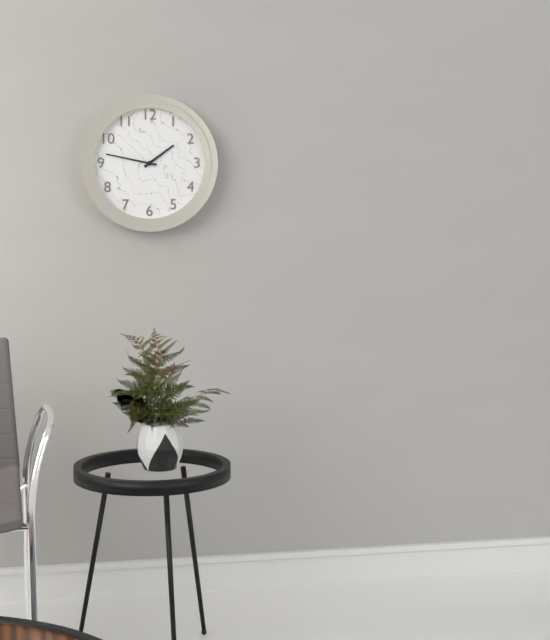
1:47
